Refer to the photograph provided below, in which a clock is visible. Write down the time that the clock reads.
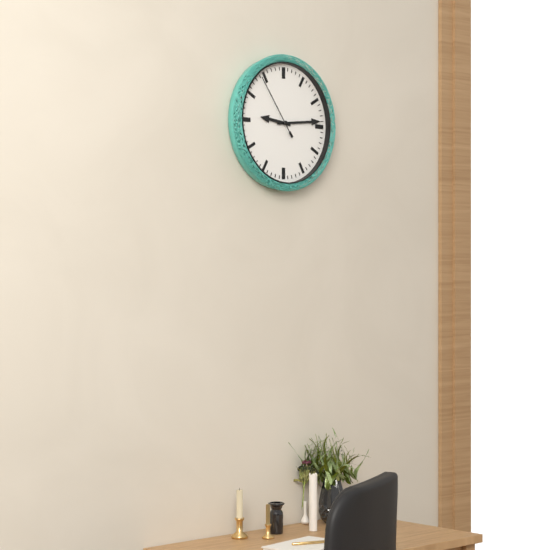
9:14:54
